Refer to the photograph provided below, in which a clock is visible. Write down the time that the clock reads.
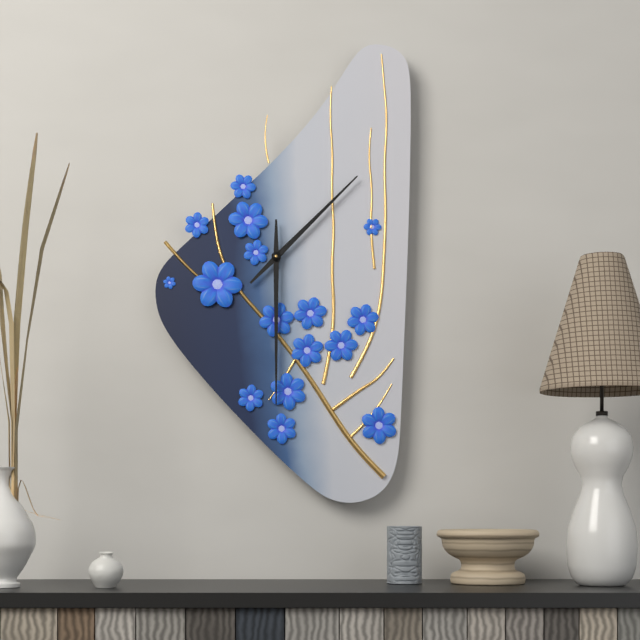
1:30
